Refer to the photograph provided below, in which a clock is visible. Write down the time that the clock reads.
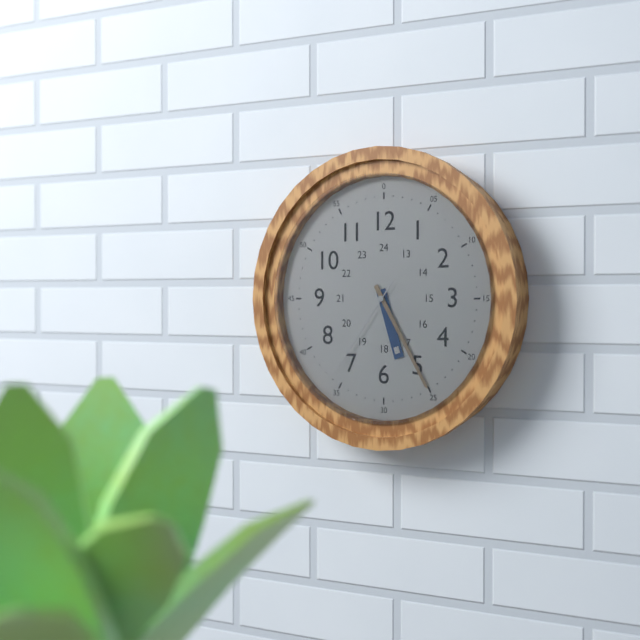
5:25:36
